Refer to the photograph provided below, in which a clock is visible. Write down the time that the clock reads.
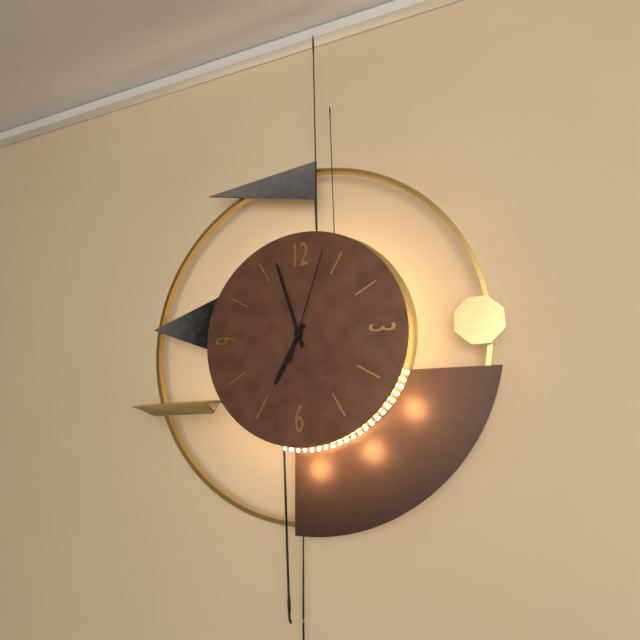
6:57:03
